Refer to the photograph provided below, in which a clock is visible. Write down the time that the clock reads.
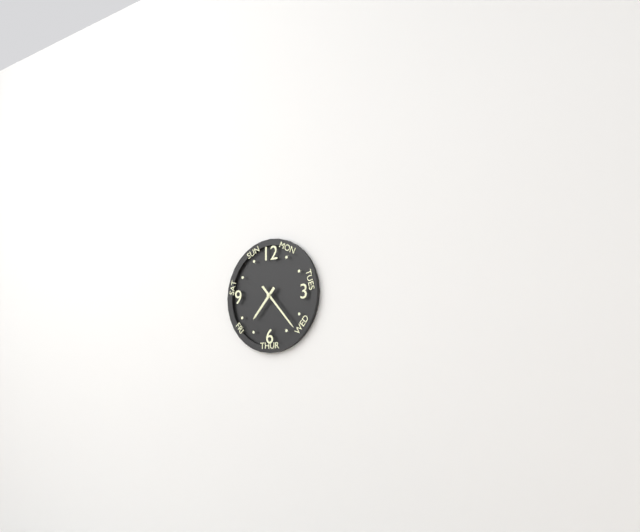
7:23
